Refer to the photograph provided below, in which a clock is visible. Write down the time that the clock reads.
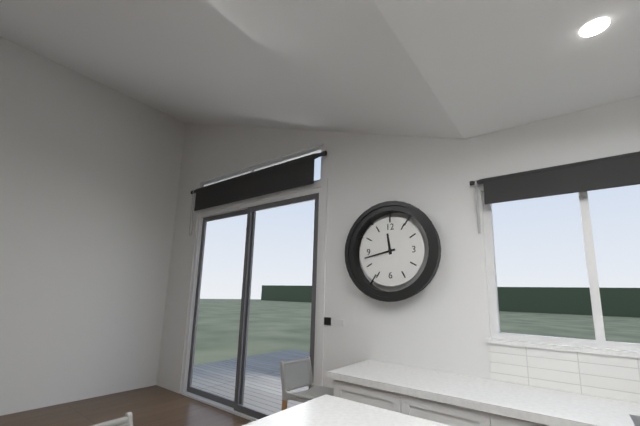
11:43
